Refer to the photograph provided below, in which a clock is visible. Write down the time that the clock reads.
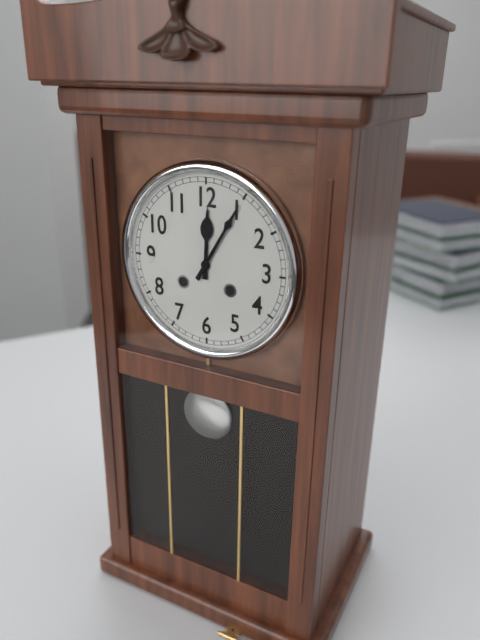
12:05
